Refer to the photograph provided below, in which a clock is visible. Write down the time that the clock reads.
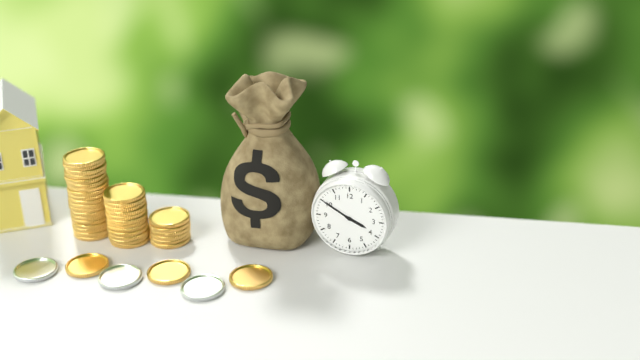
3:50
